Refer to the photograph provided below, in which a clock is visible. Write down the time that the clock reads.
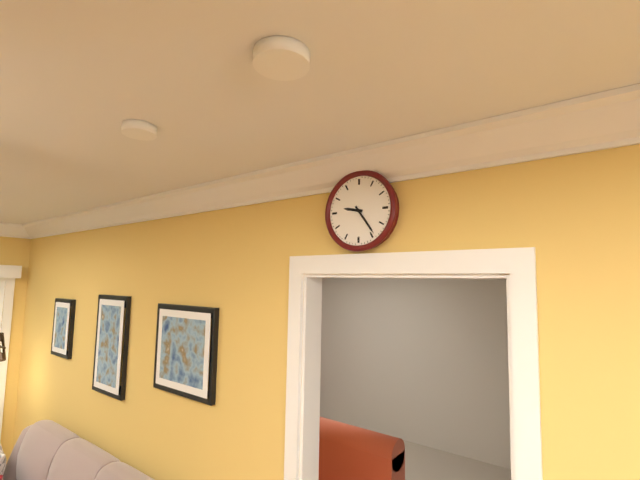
9:24
